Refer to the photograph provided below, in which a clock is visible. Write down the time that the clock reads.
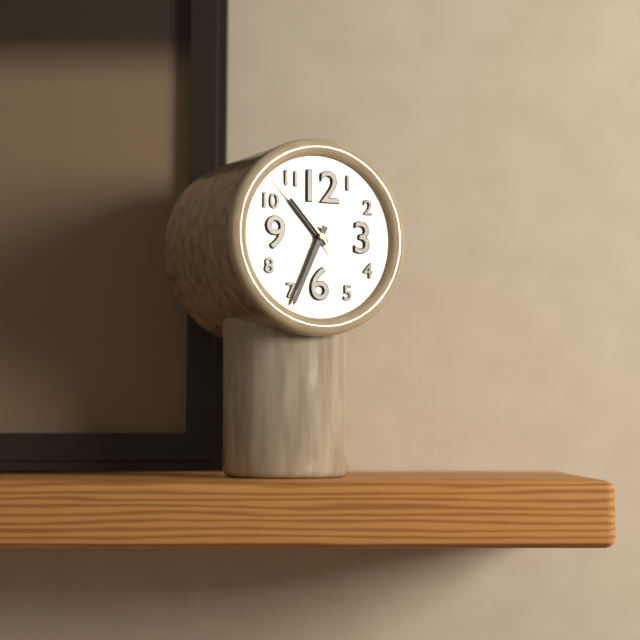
10:34:53
